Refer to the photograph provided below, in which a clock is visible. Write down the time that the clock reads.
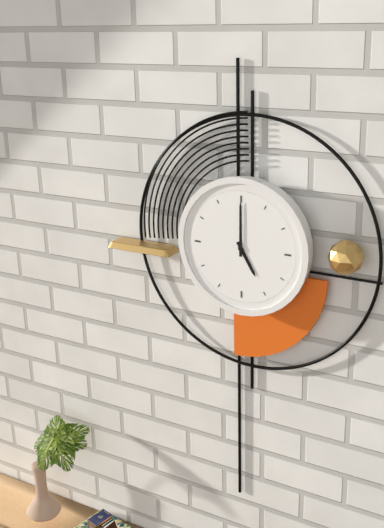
5:00
